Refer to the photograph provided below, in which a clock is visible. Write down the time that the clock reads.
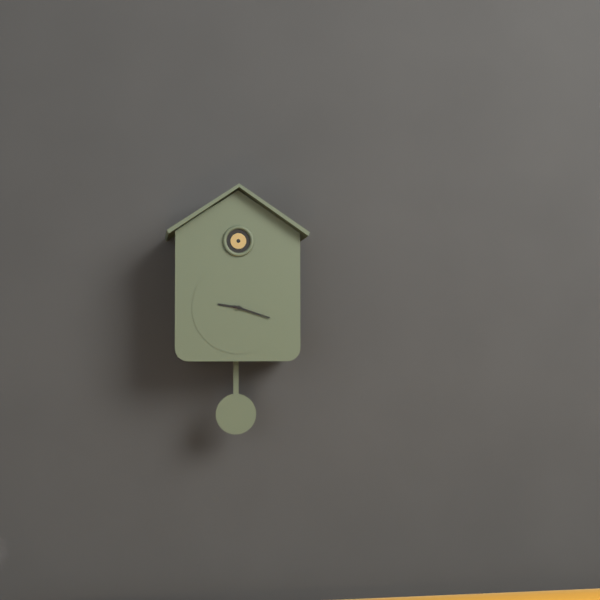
9:18
